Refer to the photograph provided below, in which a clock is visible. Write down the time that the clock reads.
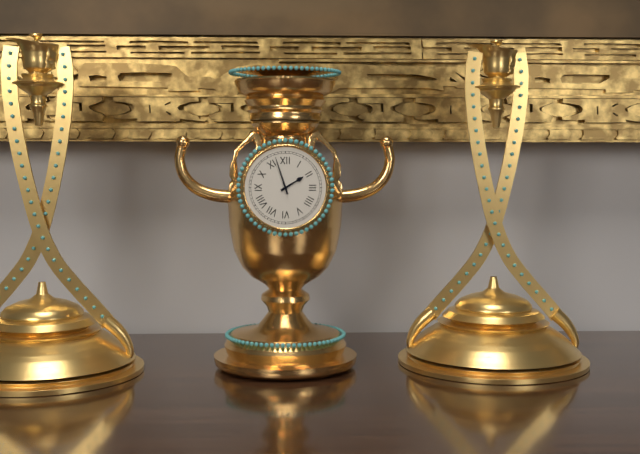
1:57
